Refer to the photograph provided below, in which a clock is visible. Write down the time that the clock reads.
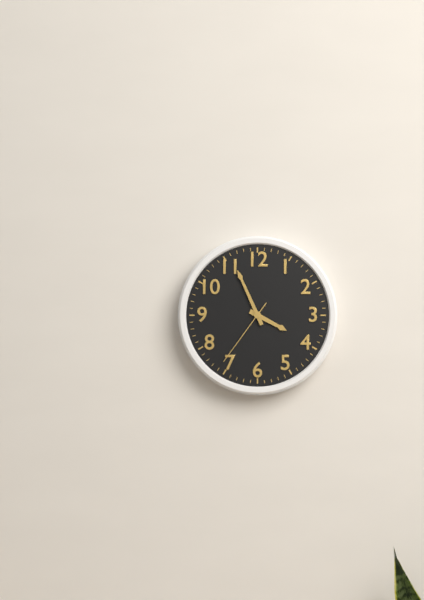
3:56:36
